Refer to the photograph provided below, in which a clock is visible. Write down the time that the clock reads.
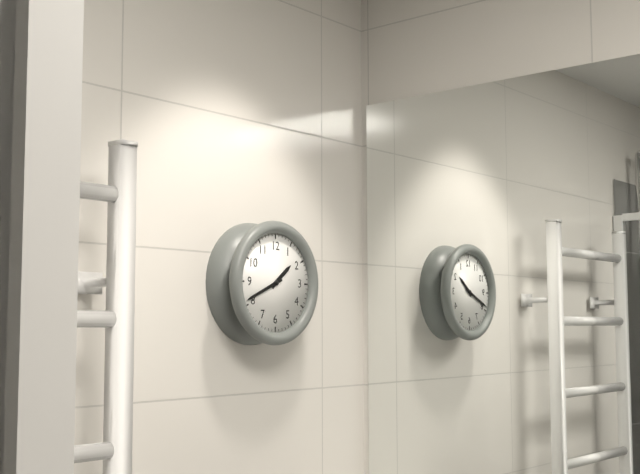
1:41
